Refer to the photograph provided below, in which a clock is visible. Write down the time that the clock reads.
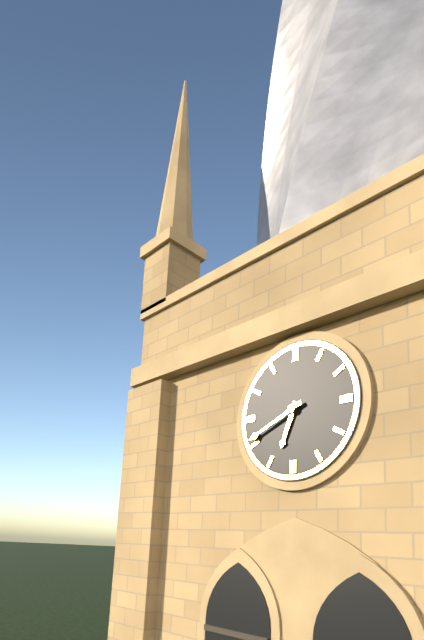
6:41
